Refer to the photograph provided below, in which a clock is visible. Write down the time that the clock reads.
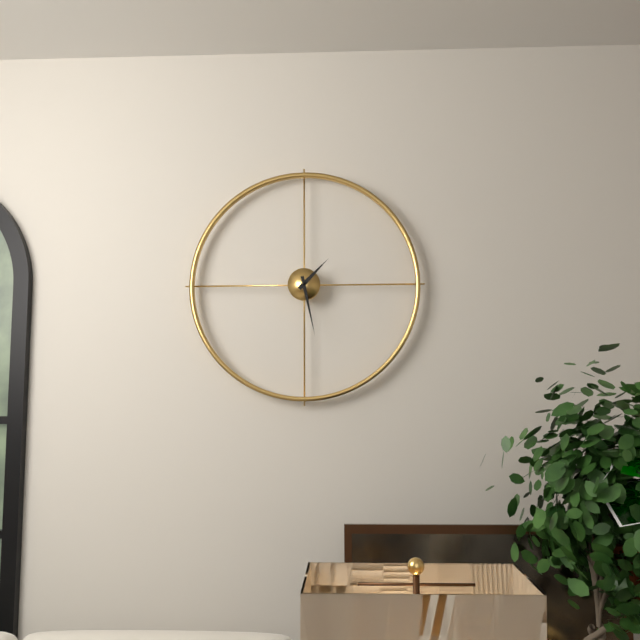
1:28
